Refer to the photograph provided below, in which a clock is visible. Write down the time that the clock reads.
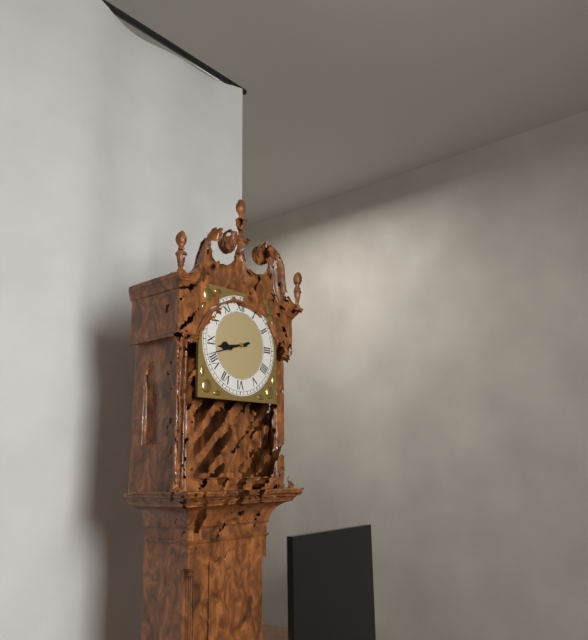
8:42
